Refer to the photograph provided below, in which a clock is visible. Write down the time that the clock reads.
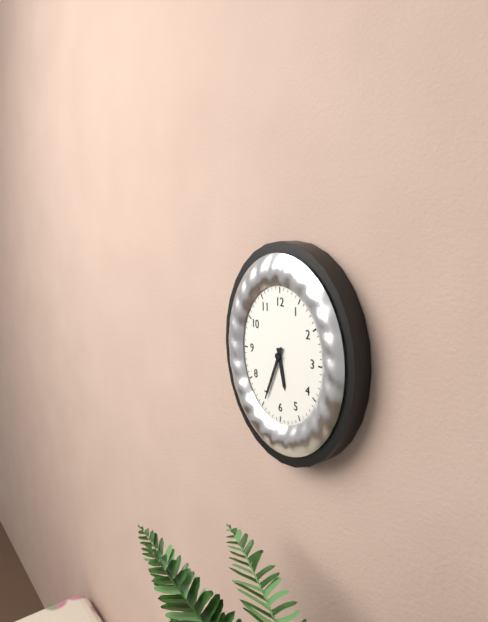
5:34
